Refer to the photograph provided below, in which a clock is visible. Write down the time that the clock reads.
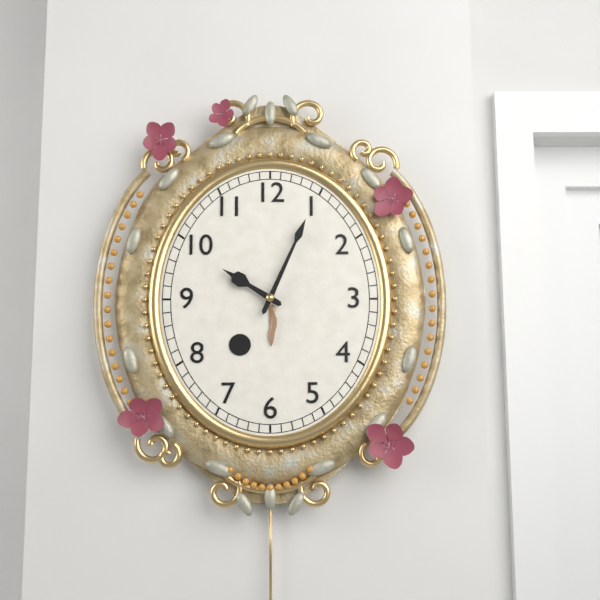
10:04
